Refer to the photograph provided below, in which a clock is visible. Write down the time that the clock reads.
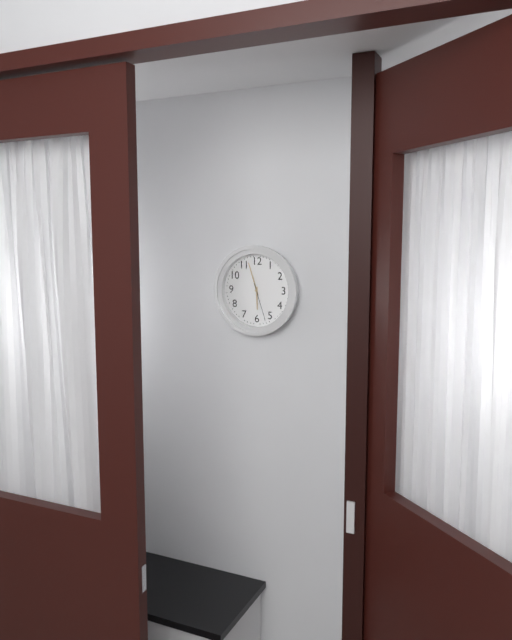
5:57
